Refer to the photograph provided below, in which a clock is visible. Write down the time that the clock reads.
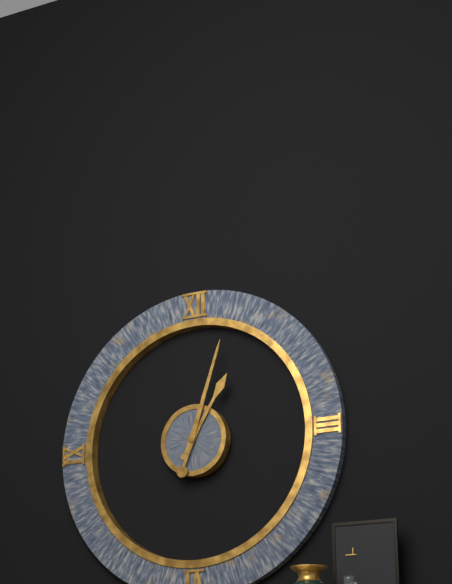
1:03
